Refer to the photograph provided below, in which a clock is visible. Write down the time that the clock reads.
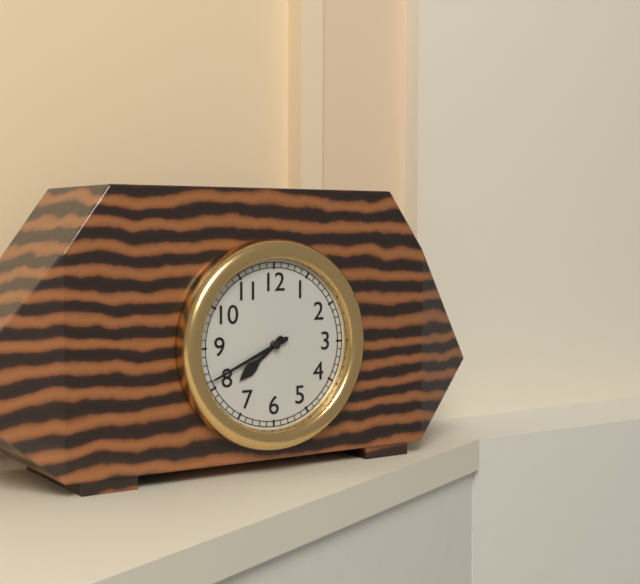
7:41
